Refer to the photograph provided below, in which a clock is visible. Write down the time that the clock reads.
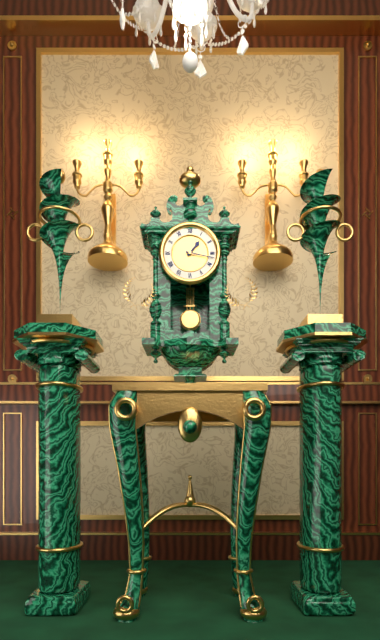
1:17
